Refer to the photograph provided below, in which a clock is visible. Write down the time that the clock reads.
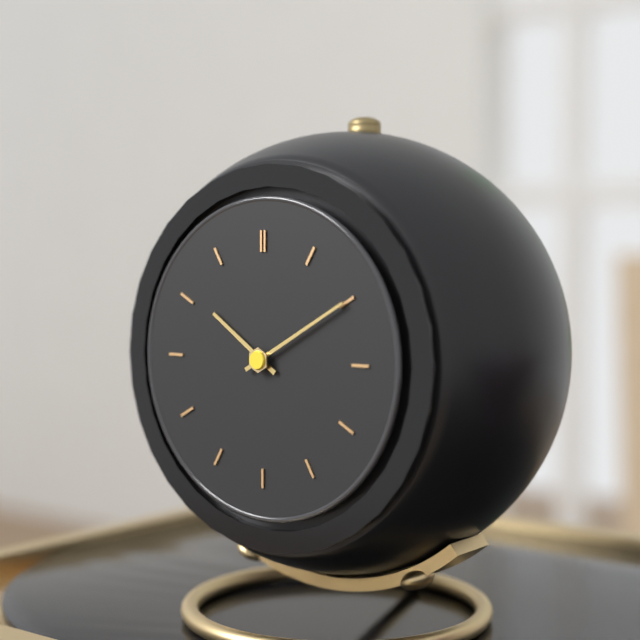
10:10
